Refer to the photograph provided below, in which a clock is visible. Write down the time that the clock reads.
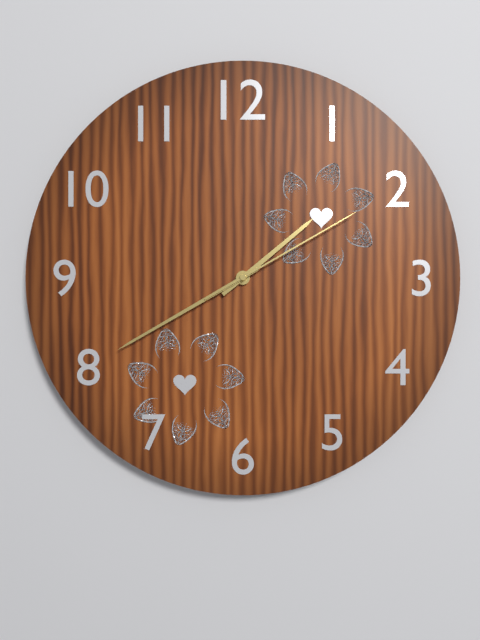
1:40:10
